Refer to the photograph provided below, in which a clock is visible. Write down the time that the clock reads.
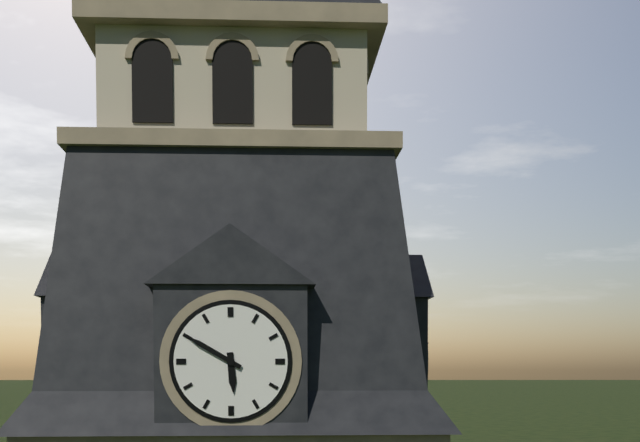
5:50
